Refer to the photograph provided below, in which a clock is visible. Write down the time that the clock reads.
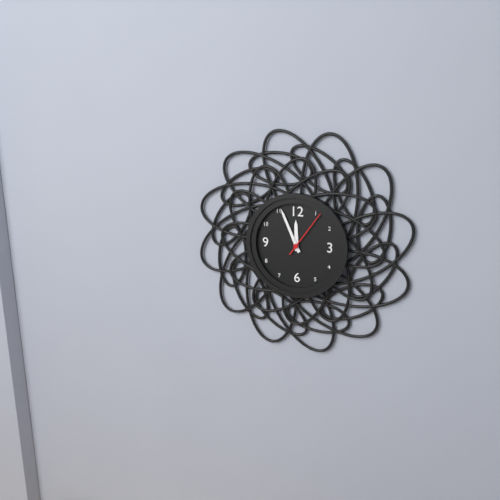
11:56
